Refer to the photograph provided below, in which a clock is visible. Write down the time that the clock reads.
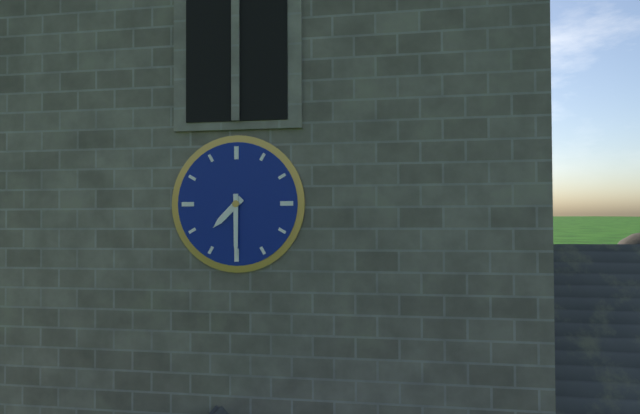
7:30
